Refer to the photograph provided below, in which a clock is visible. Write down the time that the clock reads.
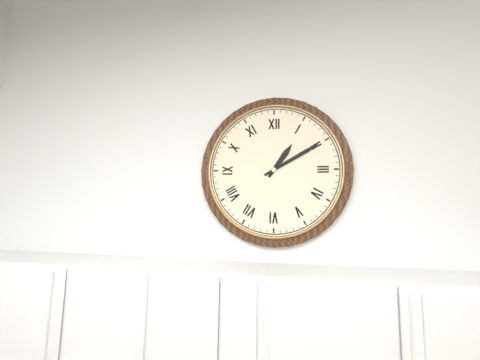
1:10
